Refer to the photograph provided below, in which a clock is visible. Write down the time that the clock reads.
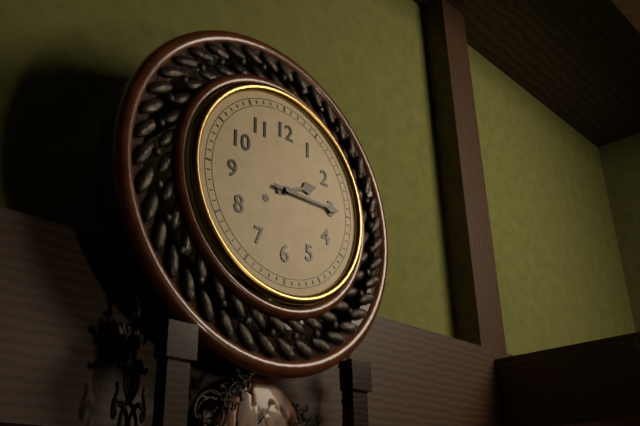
2:15
